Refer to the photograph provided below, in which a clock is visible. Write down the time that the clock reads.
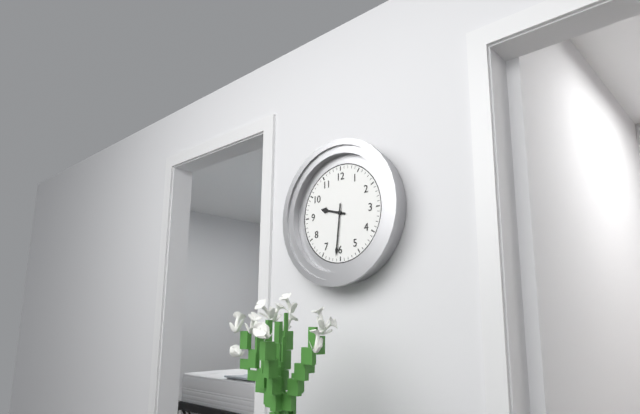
9:31
